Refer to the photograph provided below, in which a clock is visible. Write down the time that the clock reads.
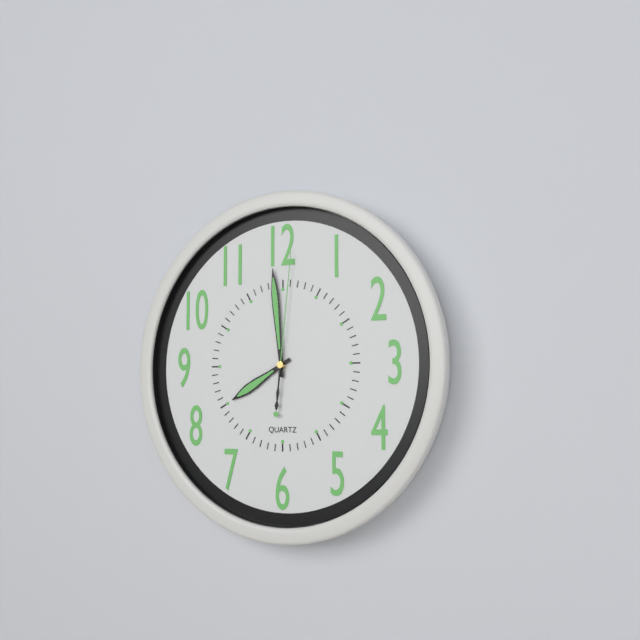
7:59:01
